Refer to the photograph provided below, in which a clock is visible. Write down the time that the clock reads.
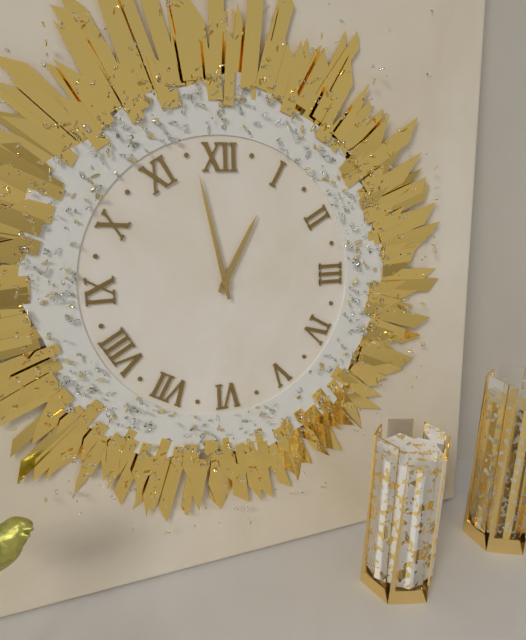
12:58
